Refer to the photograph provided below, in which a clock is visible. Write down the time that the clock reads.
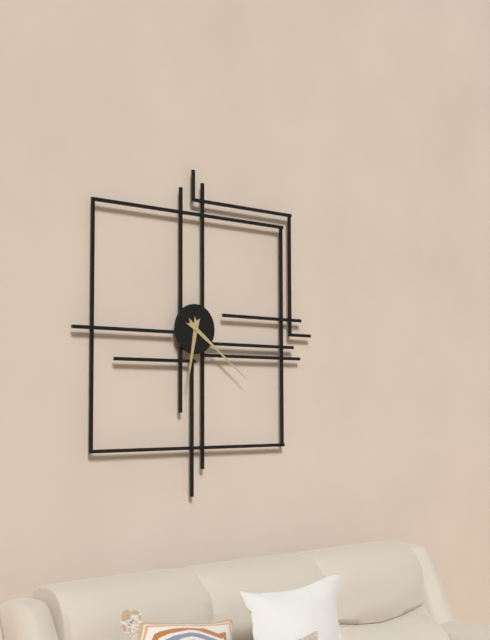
6:21
